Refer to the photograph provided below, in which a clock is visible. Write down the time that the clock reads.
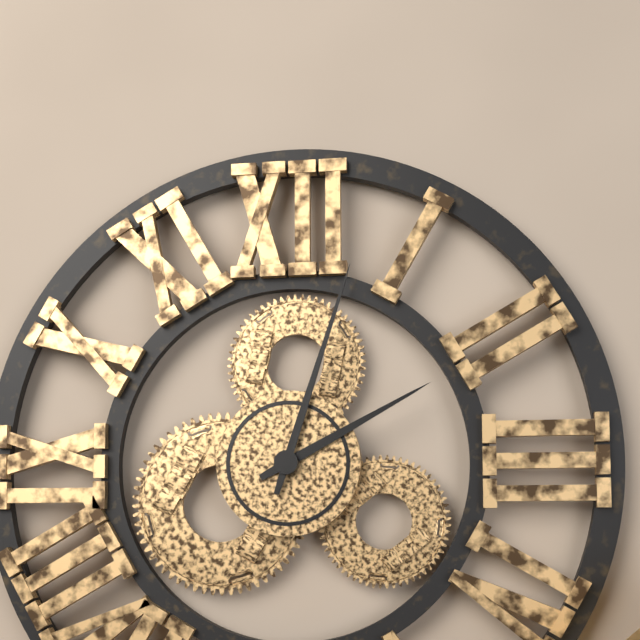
2:03
